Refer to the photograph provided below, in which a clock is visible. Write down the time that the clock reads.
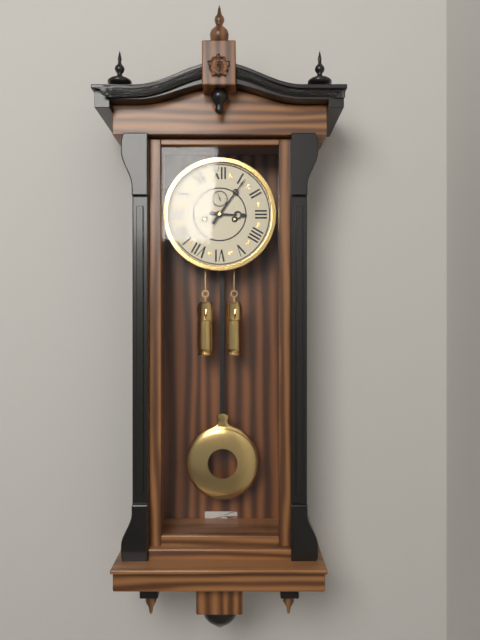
3:06
